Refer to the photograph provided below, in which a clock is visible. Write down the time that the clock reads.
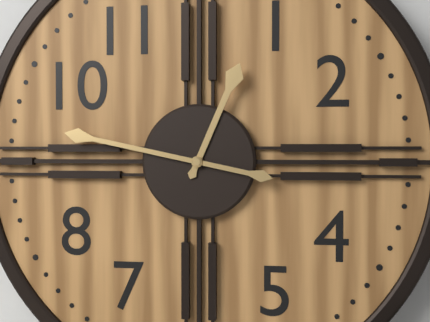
12:47
